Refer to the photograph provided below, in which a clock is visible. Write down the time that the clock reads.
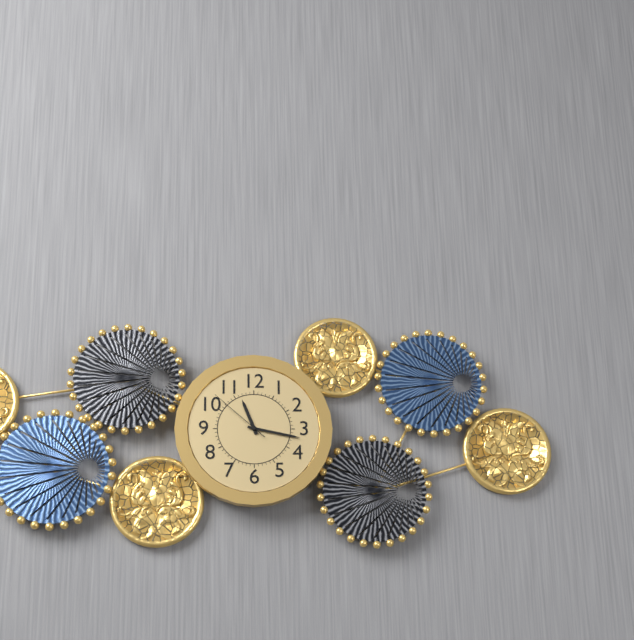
11:17:52
